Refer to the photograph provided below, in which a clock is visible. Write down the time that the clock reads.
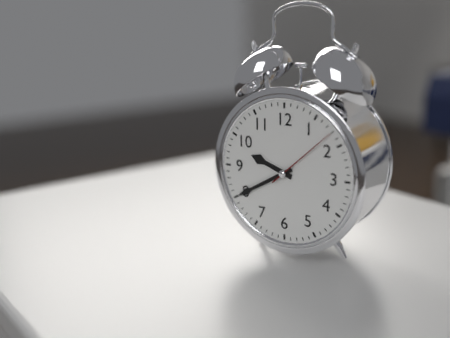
9:40:08
